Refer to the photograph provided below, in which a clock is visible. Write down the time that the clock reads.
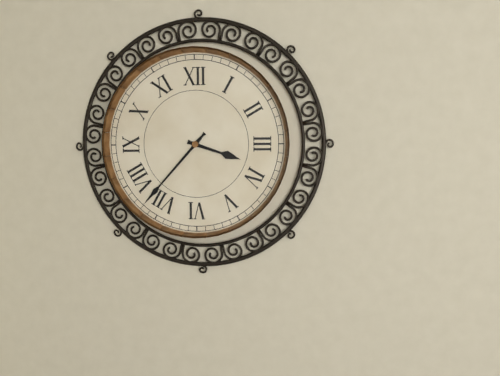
3:37
